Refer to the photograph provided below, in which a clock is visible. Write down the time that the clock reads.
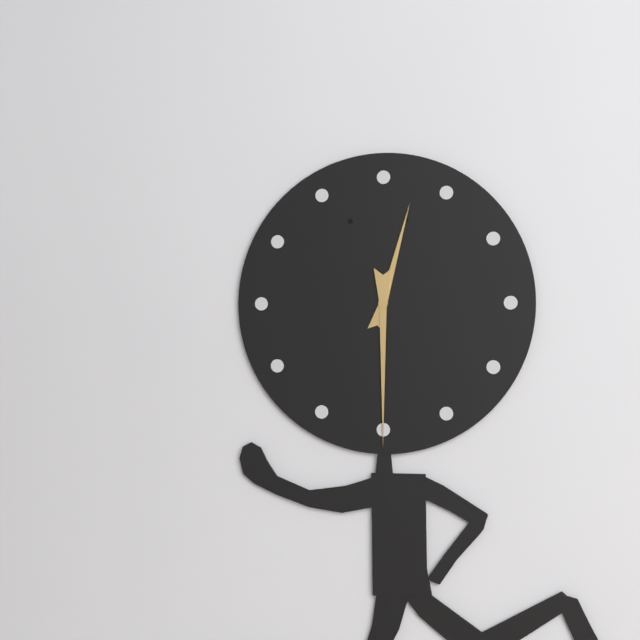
12:30
